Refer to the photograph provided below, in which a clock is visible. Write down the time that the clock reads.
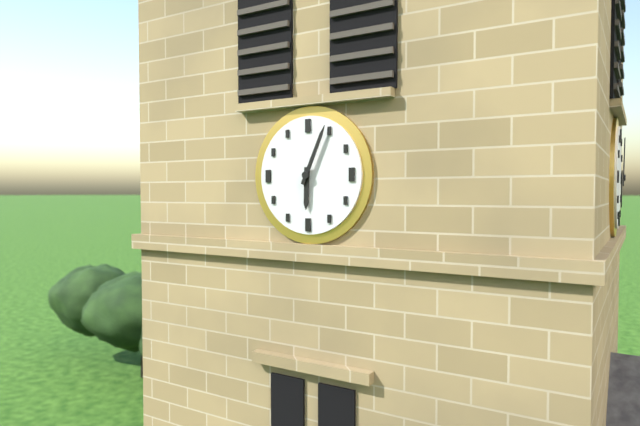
6:04
